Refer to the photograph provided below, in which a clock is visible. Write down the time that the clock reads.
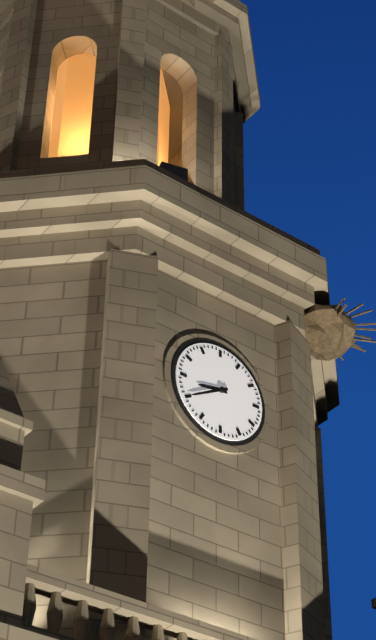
8:40
